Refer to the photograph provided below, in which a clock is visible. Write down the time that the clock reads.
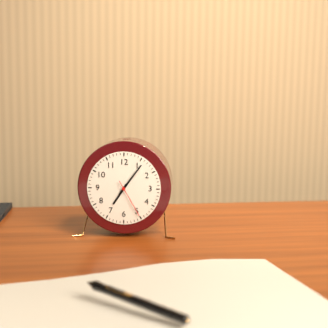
7:06
